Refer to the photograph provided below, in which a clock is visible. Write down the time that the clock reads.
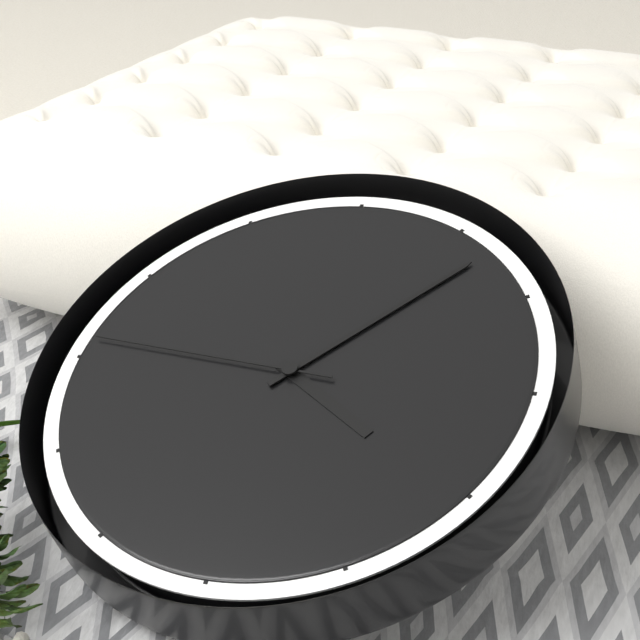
4:07:46
